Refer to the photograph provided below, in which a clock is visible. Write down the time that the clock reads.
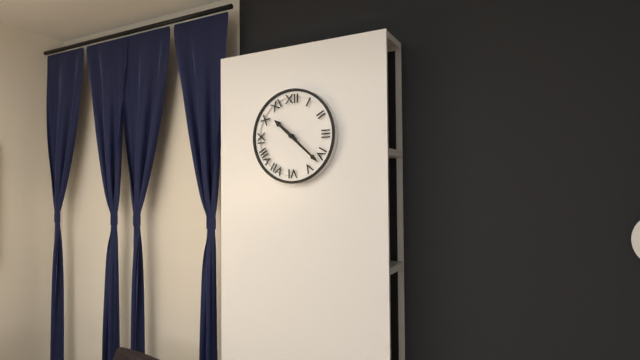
10:22
